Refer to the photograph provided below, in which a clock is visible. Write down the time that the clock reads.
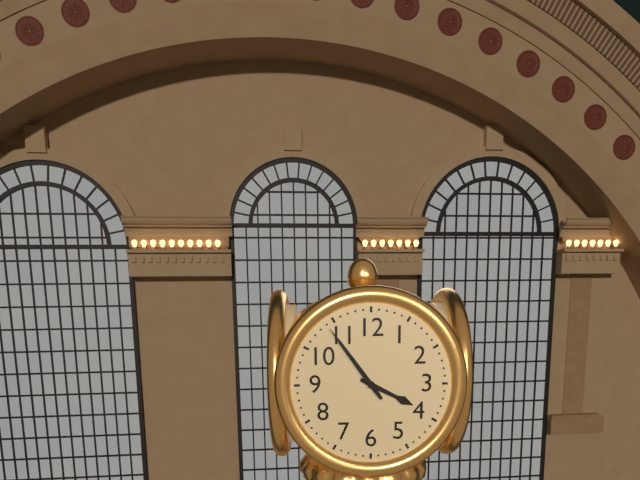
3:54
